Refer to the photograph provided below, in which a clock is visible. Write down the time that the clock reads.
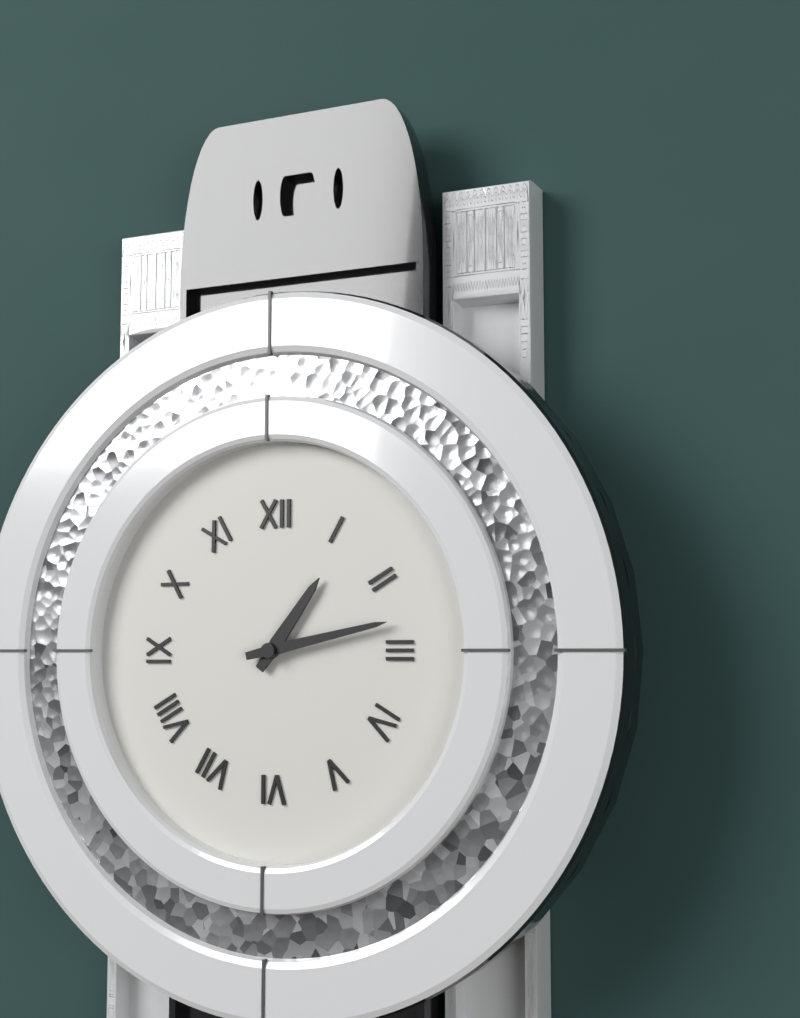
1:13
